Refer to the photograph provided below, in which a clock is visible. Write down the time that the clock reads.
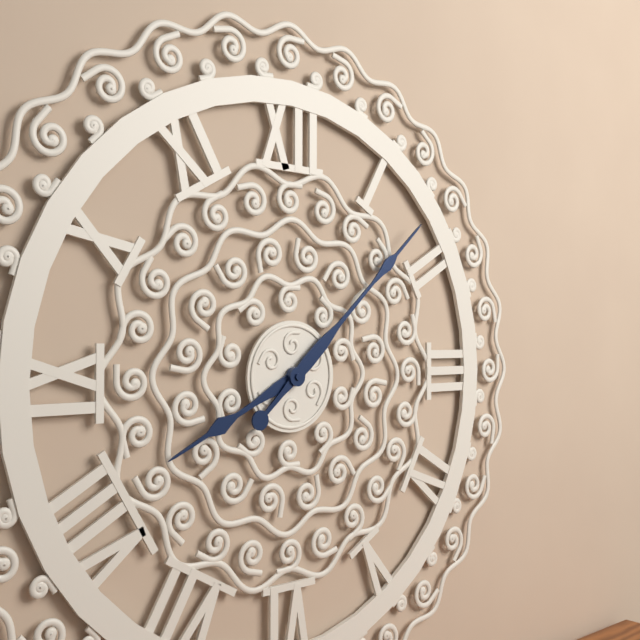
8:08
